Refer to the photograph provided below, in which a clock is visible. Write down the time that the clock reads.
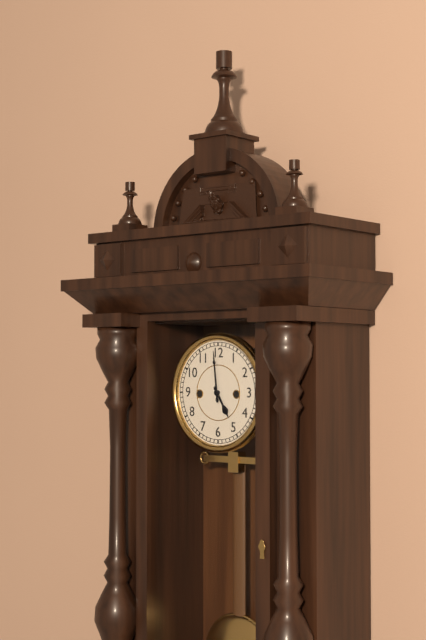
4:59
